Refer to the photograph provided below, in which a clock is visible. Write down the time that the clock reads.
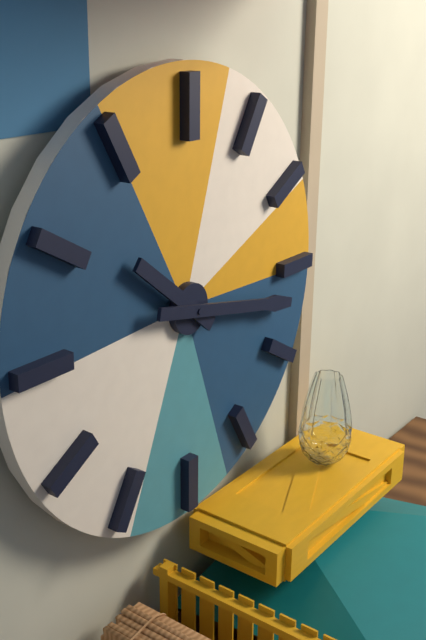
10:17
